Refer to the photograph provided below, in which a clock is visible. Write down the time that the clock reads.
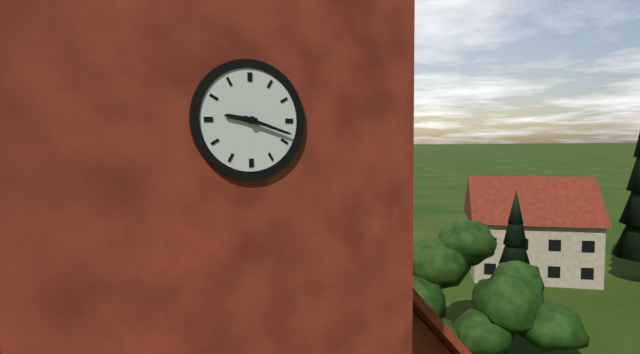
9:18
